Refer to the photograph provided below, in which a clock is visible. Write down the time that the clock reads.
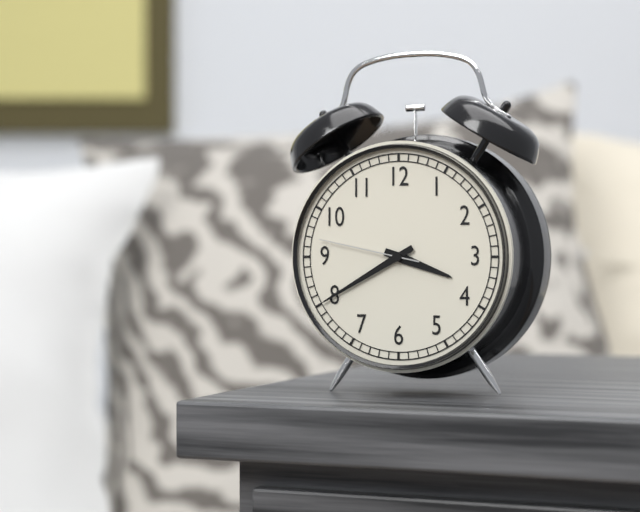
3:40:47
